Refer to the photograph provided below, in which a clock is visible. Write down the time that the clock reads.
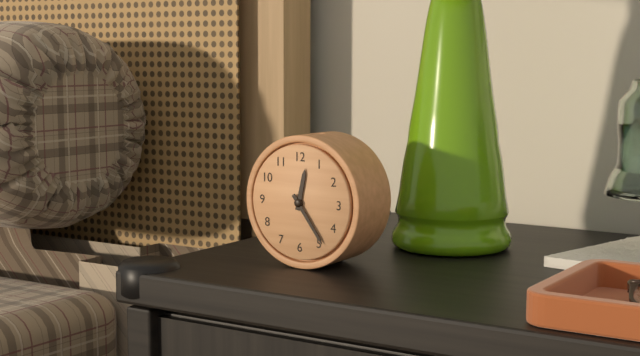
12:24
